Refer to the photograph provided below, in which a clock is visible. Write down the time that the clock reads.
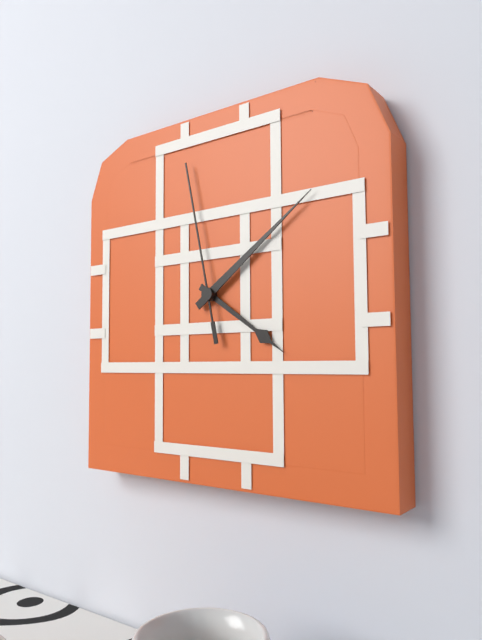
4:09:58
